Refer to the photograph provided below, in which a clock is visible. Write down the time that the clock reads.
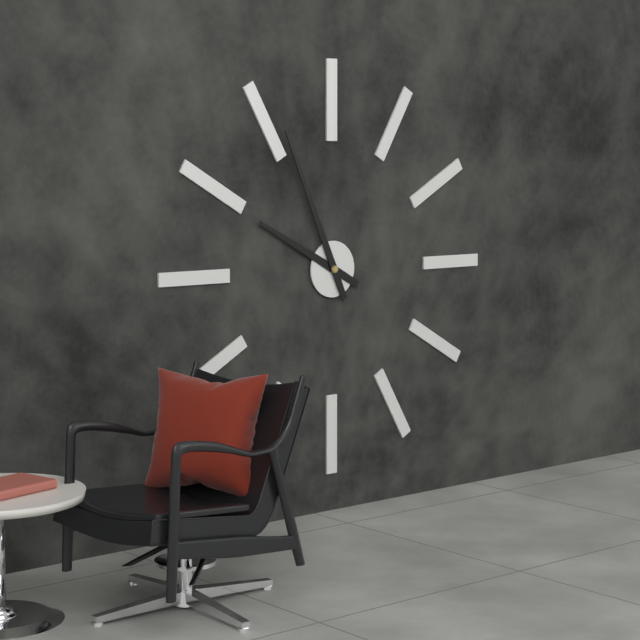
9:56
